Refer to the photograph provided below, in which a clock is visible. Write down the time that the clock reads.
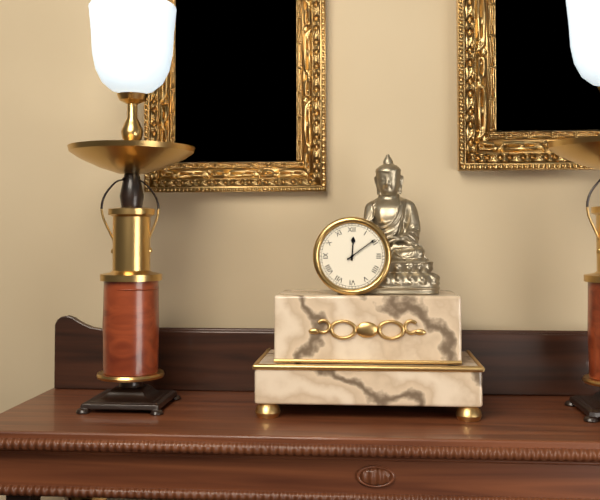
12:09
